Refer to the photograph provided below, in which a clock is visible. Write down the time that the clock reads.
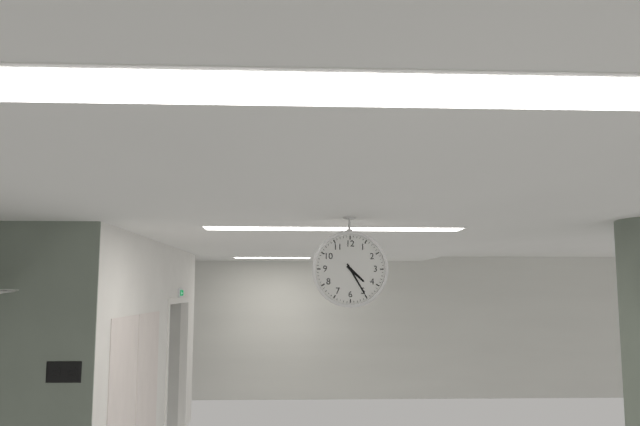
4:25
